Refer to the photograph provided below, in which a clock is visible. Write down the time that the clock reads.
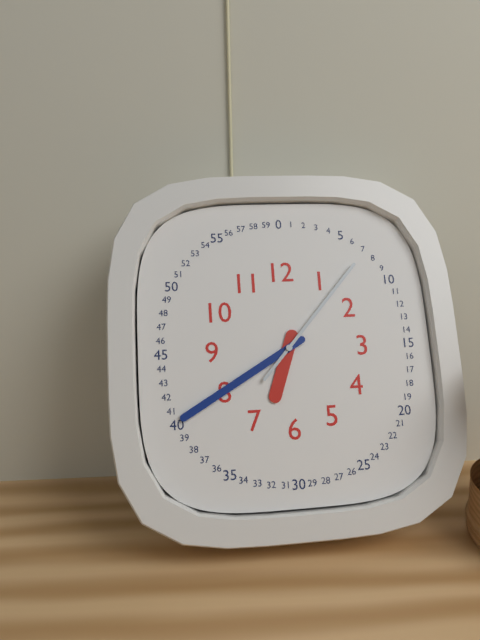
6:40:07
